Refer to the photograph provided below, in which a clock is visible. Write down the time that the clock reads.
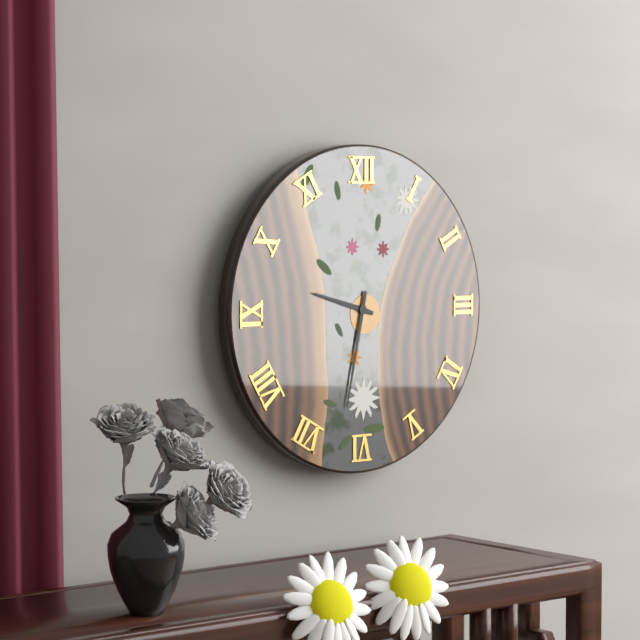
9:32
